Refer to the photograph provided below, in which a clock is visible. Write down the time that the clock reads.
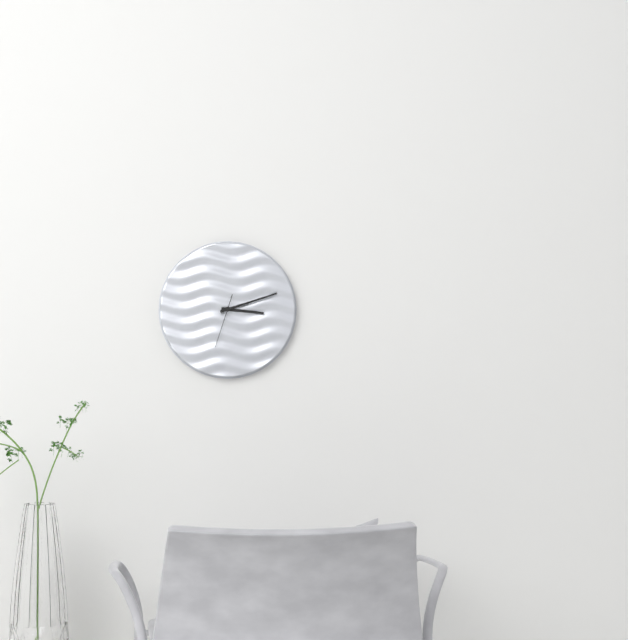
3:12
